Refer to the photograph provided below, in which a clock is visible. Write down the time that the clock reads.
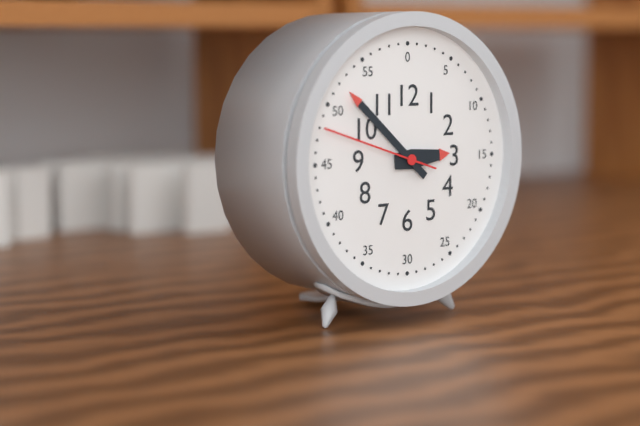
2:52:48
